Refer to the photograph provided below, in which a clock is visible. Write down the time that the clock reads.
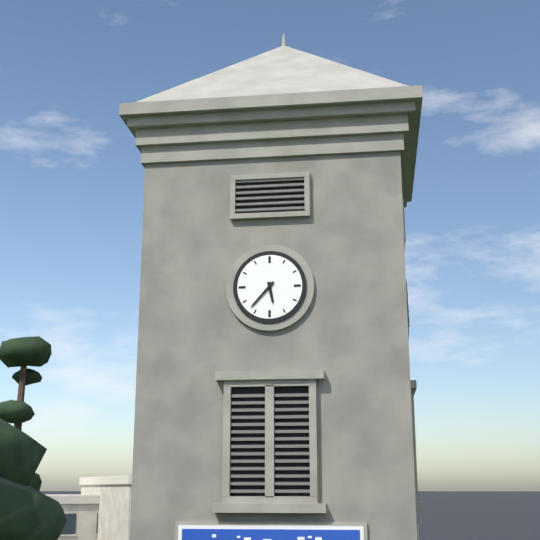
5:37
